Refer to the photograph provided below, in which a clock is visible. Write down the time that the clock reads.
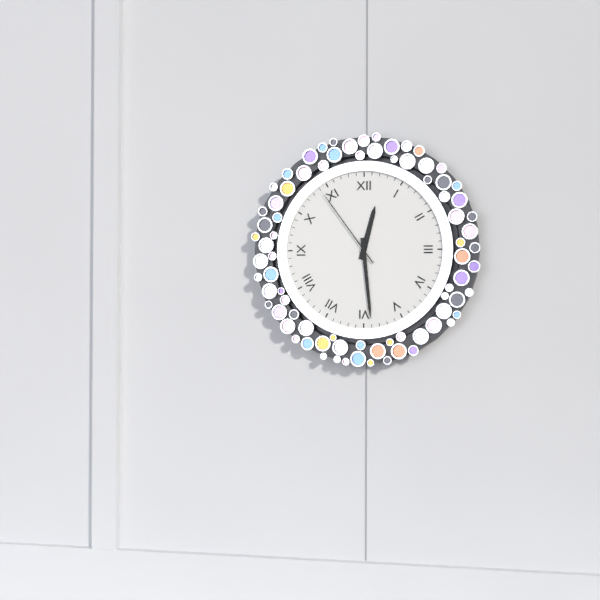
12:29:54
